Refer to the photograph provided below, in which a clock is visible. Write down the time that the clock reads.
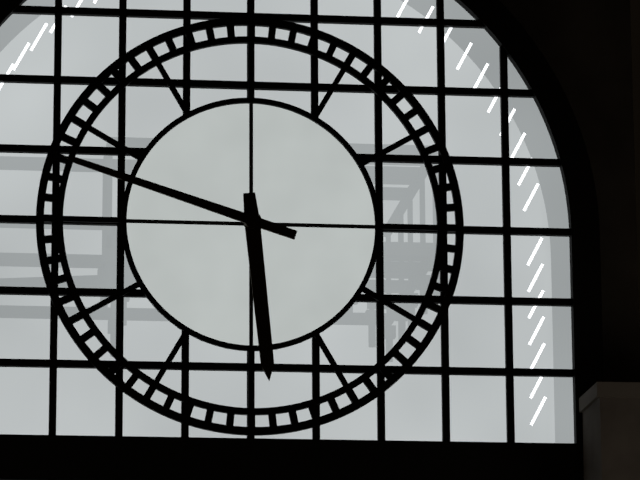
5:48
